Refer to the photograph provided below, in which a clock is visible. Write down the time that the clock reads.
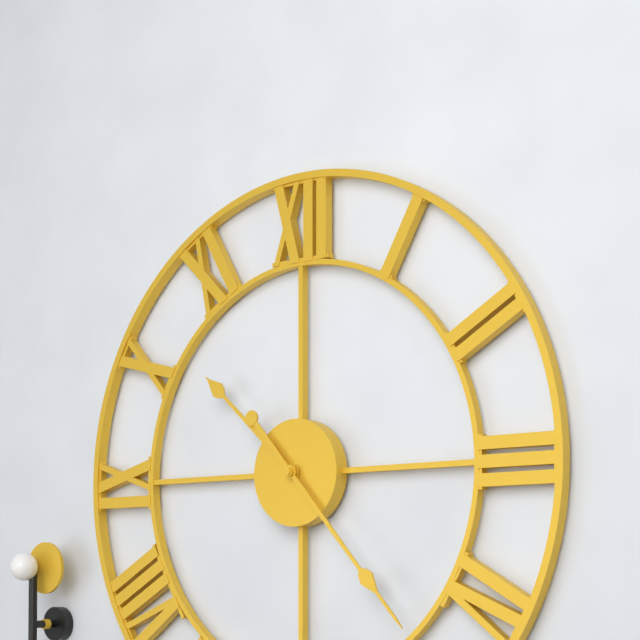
10:23
